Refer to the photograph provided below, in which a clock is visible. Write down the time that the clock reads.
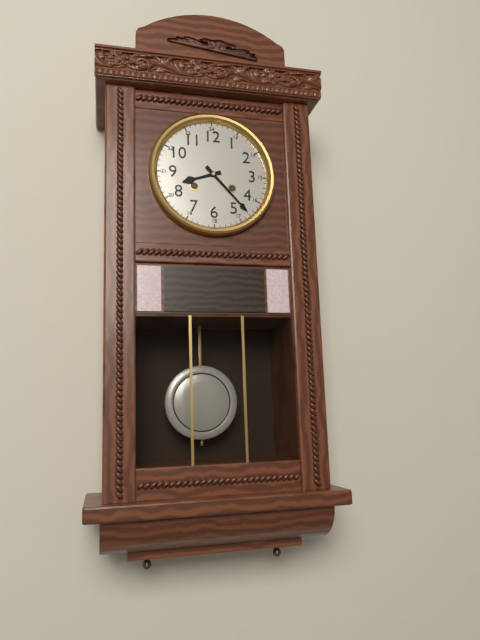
8:23
